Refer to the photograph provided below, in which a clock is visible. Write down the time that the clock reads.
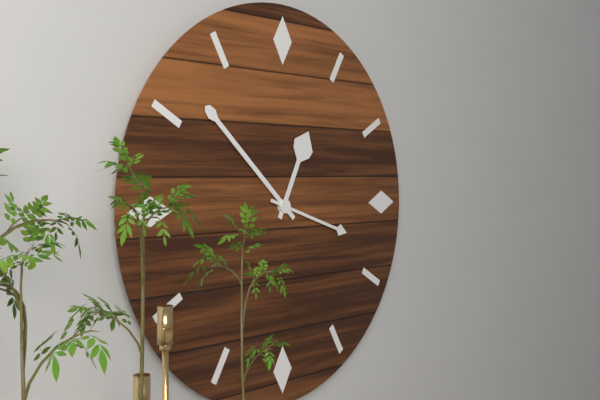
12:52:18
